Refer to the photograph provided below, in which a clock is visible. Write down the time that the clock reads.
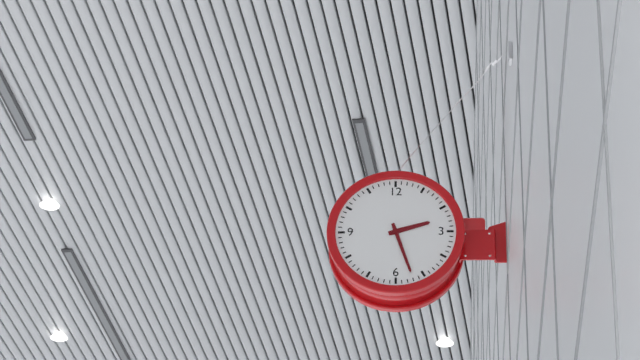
2:27
